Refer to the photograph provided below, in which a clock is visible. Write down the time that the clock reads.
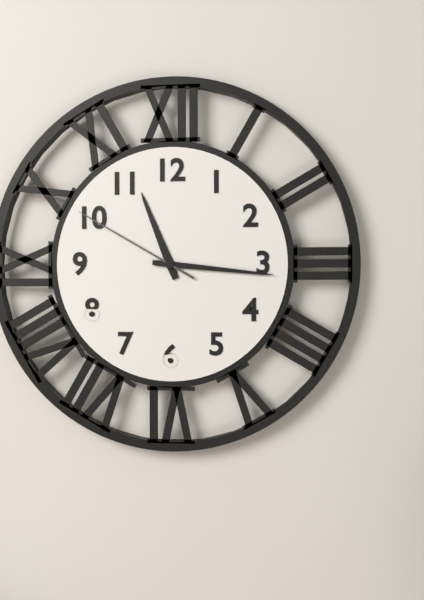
11:16:50
